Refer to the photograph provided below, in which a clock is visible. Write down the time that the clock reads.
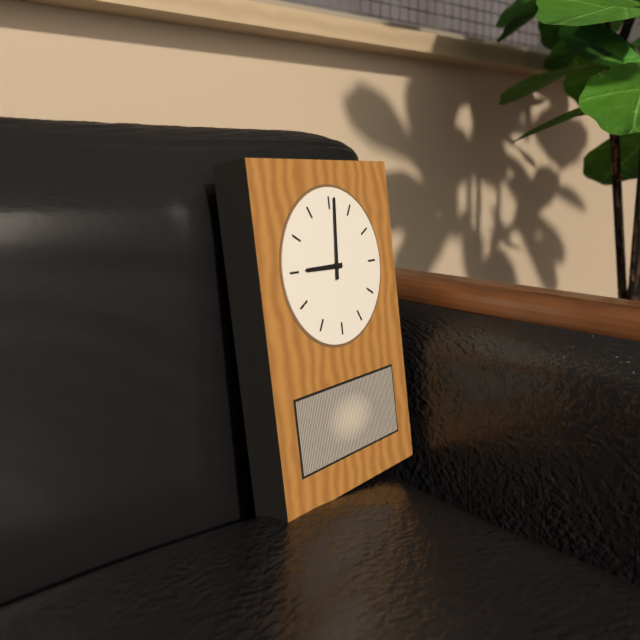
9:01
